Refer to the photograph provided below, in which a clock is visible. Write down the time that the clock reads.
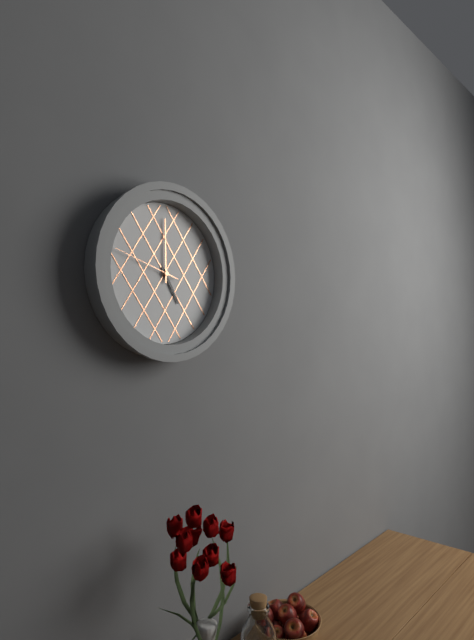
5:00:48
